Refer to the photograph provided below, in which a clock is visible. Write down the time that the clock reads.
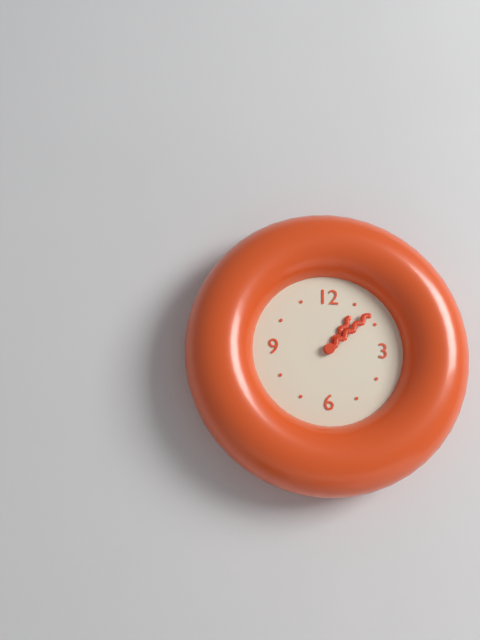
1:08
